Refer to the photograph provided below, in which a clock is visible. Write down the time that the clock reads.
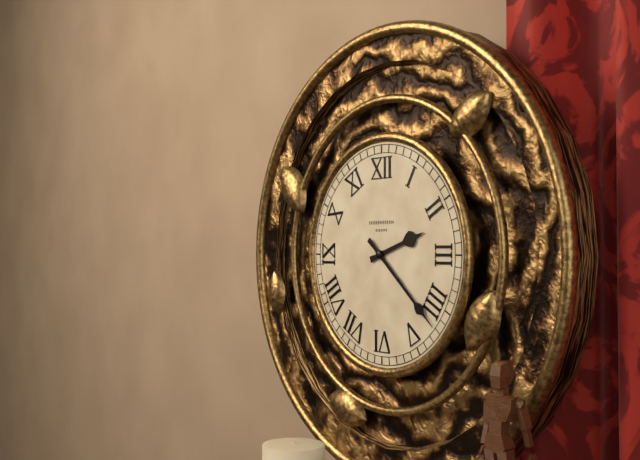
2:22
